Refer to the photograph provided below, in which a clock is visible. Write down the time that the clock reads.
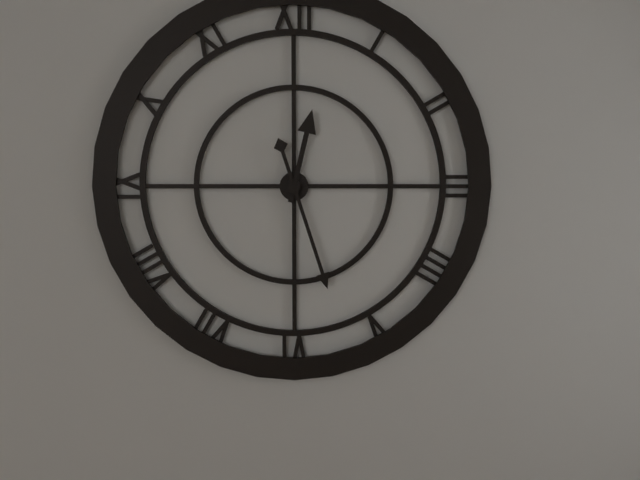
12:27
